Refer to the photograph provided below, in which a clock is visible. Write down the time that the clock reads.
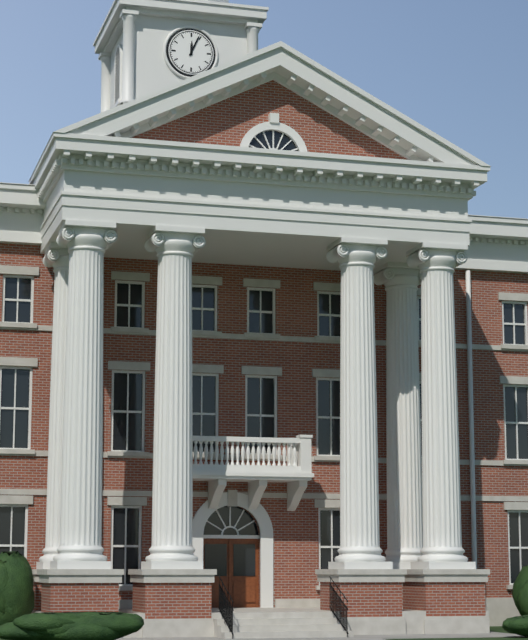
12:04
